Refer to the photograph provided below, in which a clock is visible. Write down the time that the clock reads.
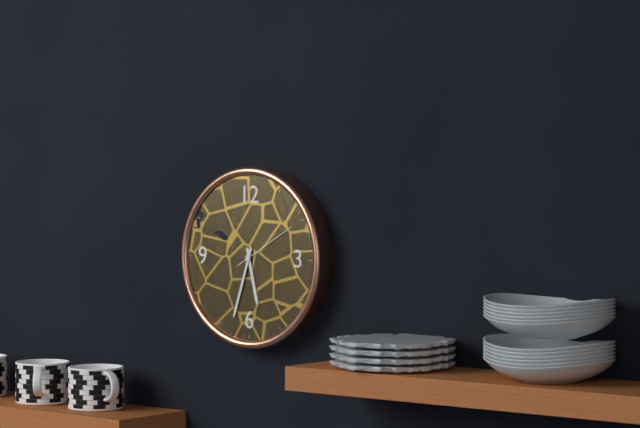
5:33:10
